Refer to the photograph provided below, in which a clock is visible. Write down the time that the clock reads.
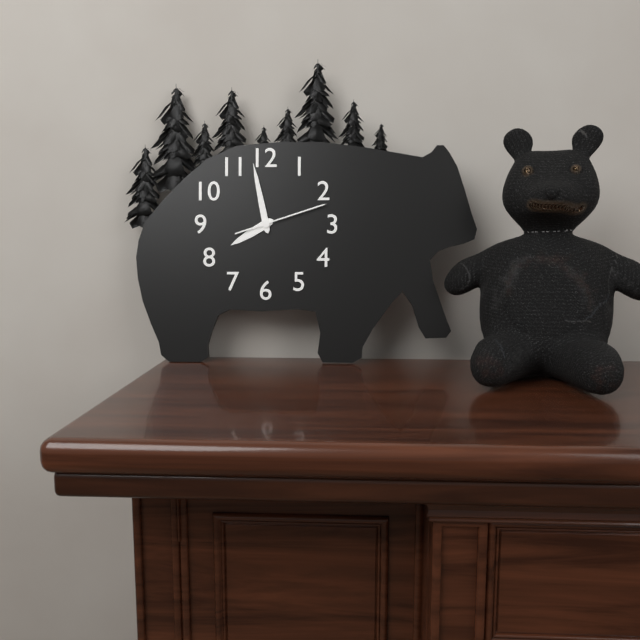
7:58:12
